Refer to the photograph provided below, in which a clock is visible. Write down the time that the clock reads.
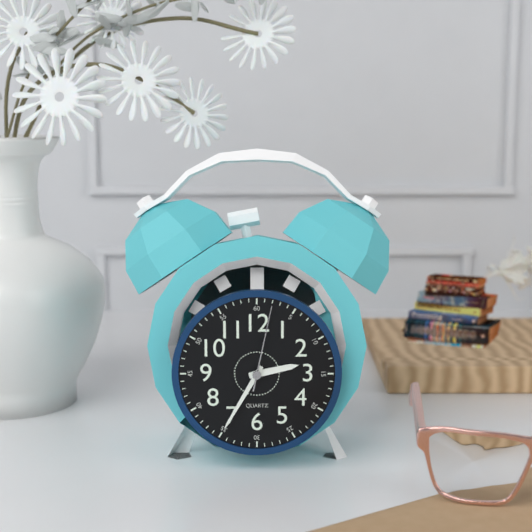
2:35:02
